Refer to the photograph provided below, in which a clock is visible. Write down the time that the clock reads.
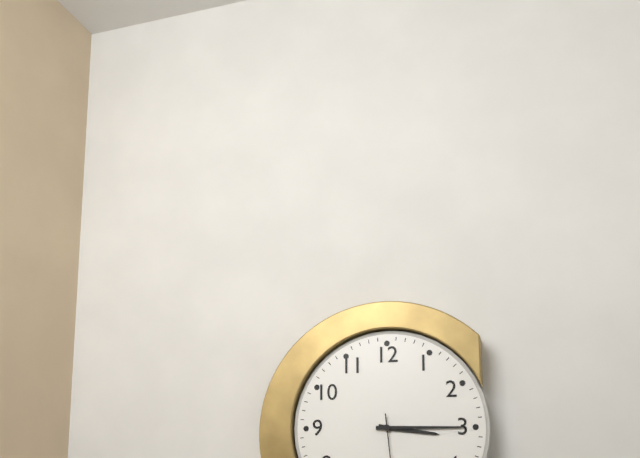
3:15
